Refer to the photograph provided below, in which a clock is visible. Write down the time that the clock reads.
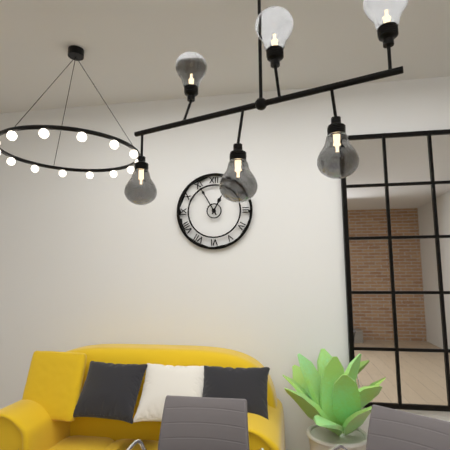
12:55
